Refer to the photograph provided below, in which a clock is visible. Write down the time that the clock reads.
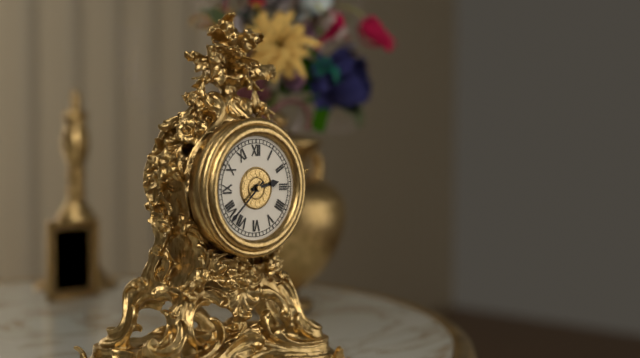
2:38
